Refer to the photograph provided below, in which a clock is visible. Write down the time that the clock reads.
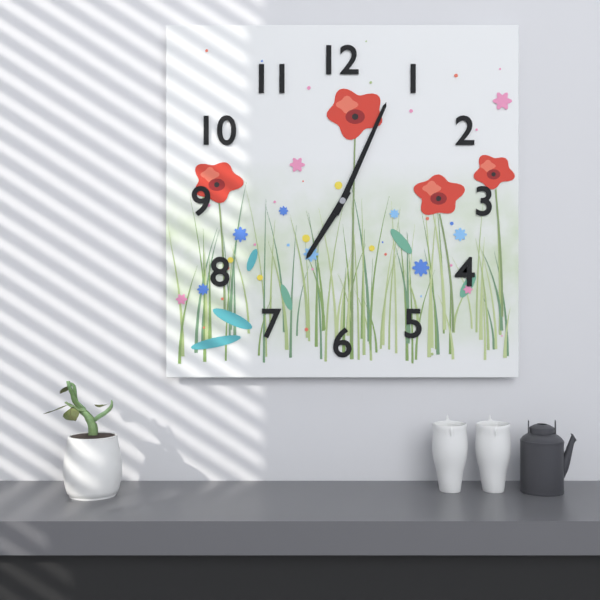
7:04
